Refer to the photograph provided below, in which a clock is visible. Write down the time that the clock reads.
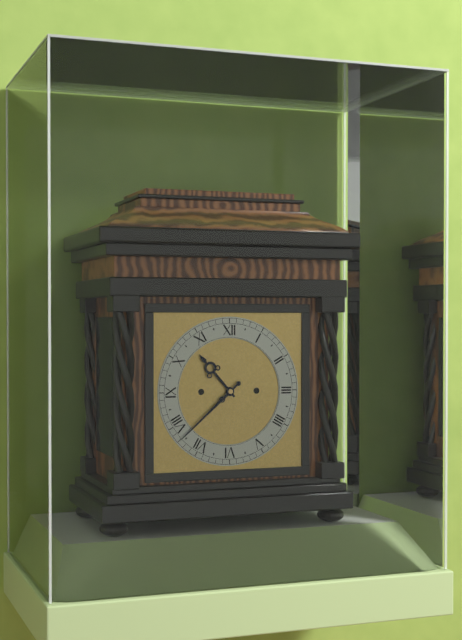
10:38
